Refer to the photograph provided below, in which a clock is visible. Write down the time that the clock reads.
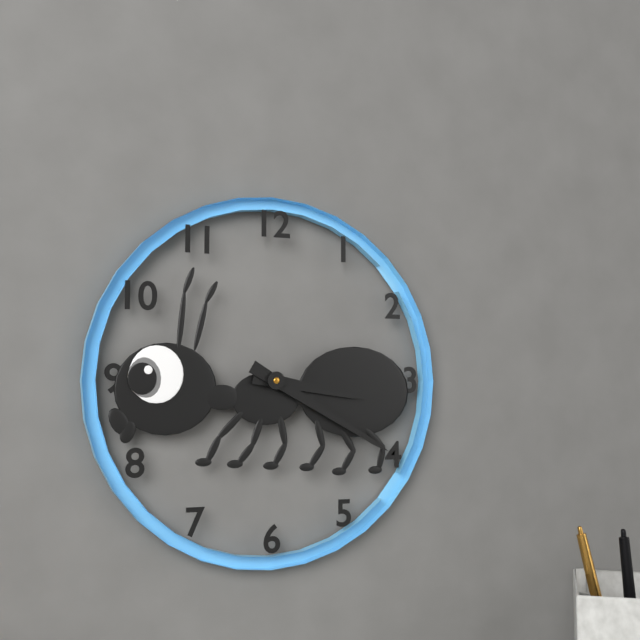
3:20
